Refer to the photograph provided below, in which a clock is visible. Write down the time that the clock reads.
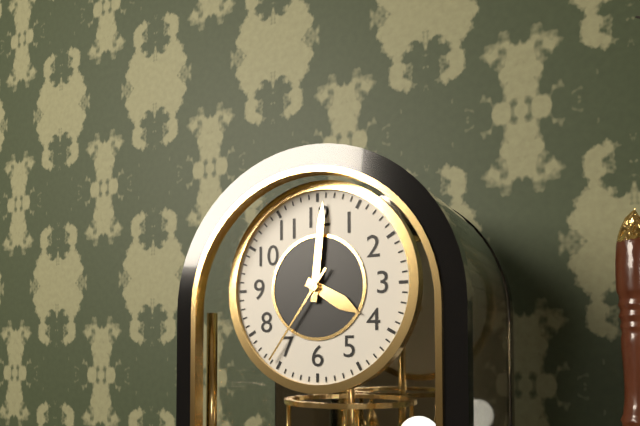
4:01:36
